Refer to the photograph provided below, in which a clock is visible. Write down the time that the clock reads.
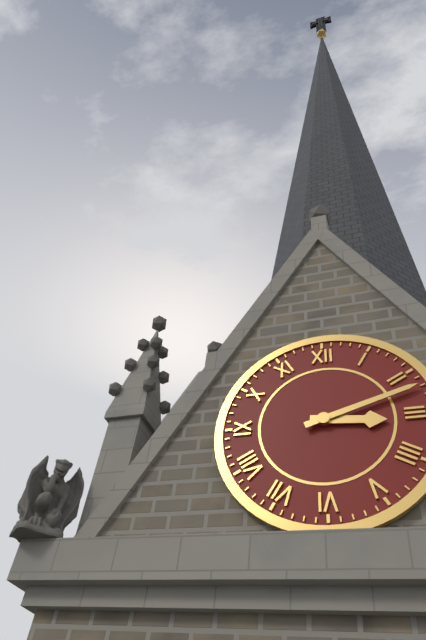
3:12
